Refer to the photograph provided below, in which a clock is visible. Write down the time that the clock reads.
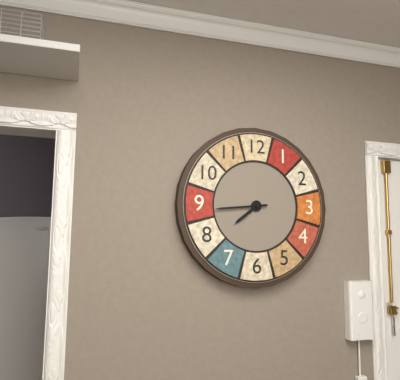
7:44
